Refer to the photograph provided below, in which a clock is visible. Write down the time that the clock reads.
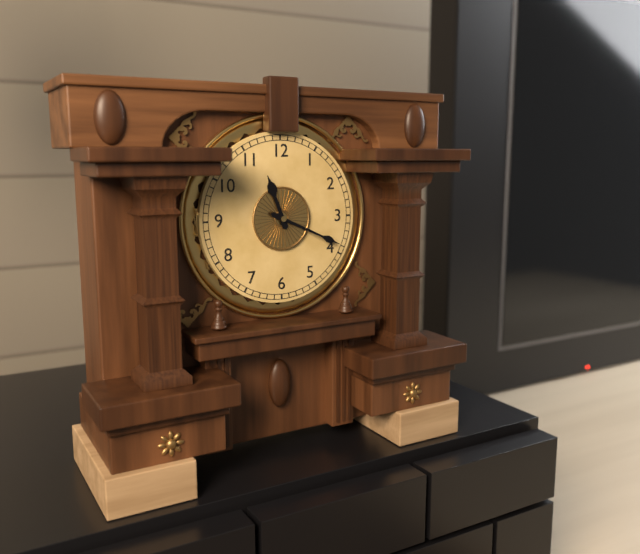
11:19
